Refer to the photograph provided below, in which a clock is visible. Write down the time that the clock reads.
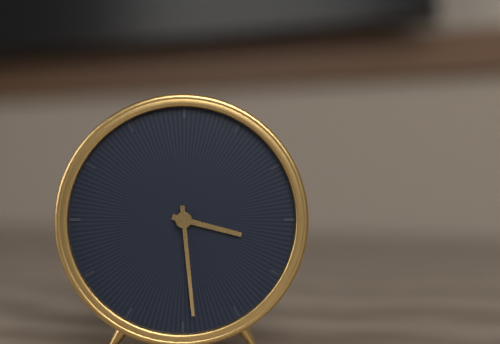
3:29
